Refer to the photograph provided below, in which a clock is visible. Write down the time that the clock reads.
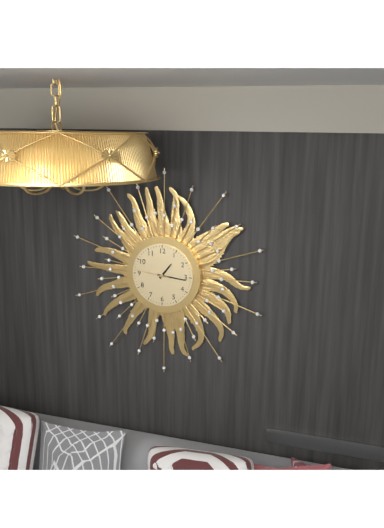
1:16
